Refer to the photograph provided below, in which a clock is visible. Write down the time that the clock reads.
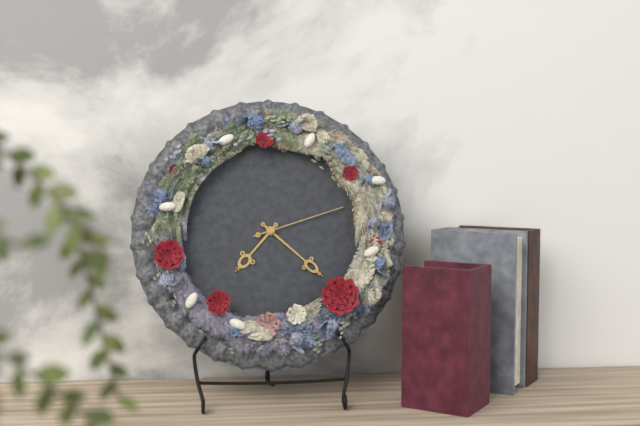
7:22:12
